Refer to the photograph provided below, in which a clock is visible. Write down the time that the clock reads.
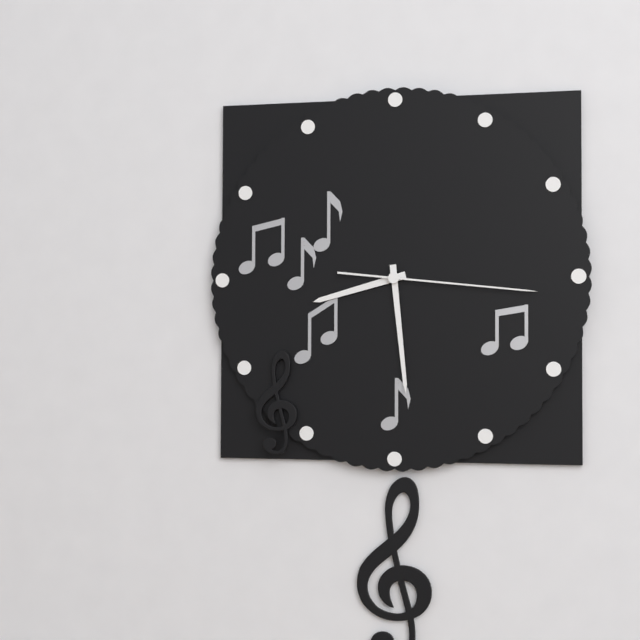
8:29:16
